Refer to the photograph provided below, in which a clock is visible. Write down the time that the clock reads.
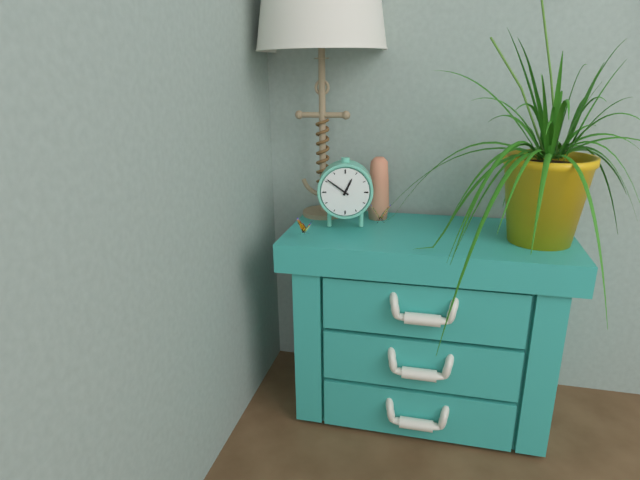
12:51
